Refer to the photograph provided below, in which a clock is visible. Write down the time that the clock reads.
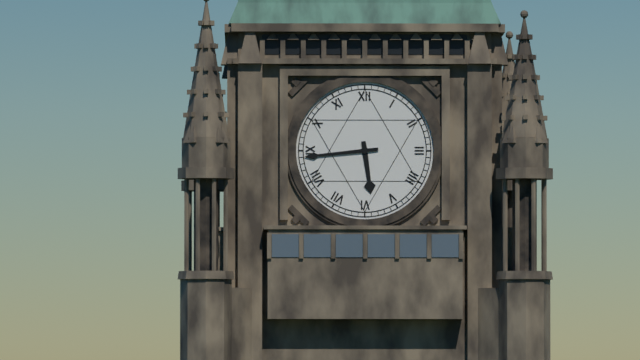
5:44
